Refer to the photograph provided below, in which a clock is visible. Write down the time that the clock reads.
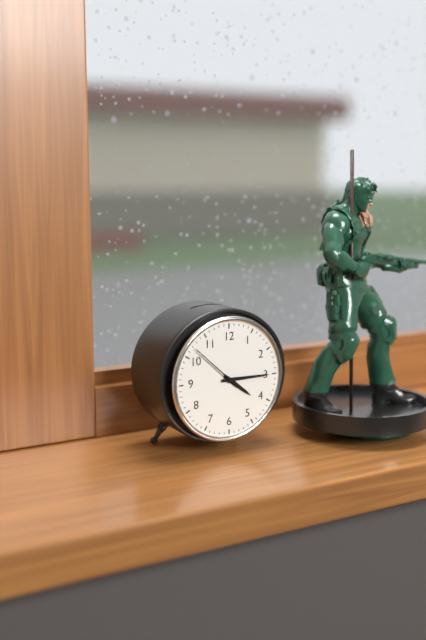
4:15:52
